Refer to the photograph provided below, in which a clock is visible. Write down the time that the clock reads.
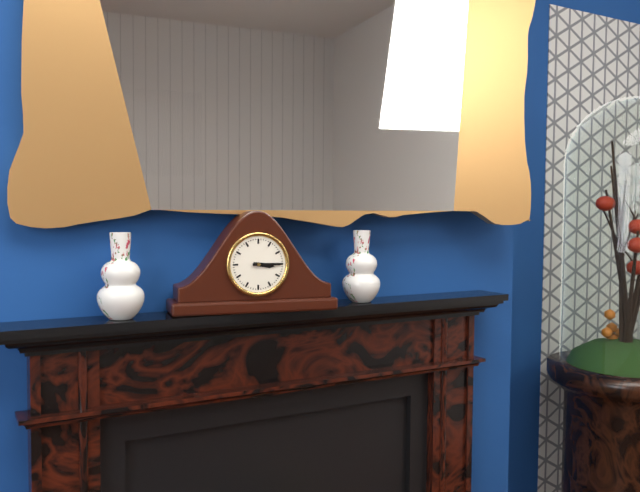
3:15
